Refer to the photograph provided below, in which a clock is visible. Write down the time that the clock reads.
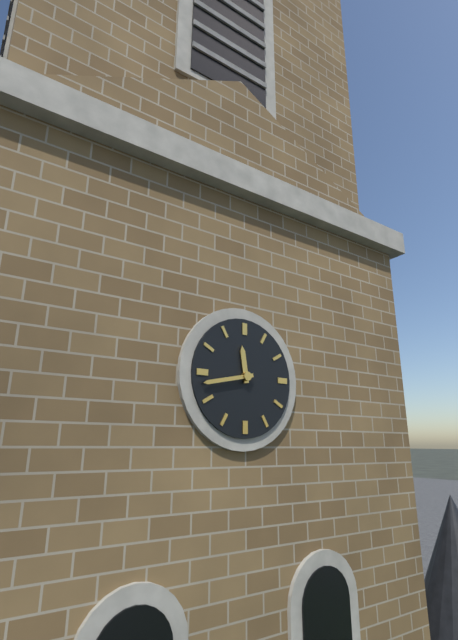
11:43
